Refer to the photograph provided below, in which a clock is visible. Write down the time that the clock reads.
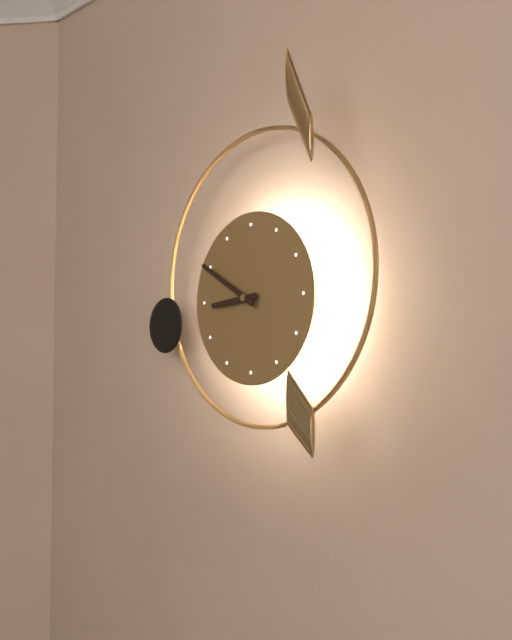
8:50
